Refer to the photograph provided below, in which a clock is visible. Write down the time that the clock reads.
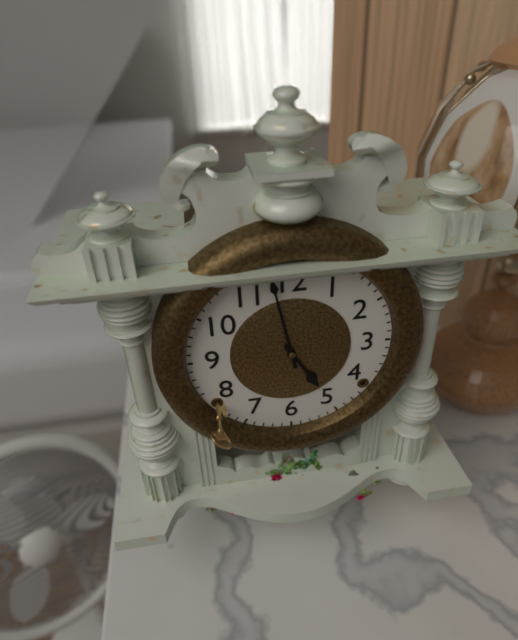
4:58
